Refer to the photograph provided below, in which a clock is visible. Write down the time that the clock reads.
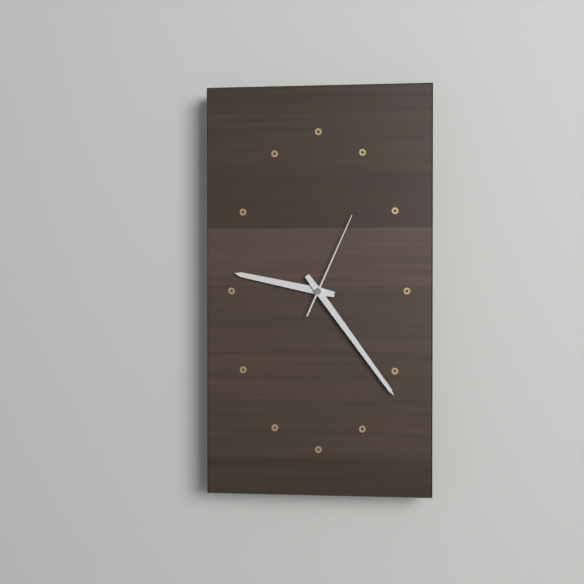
9:24:04
